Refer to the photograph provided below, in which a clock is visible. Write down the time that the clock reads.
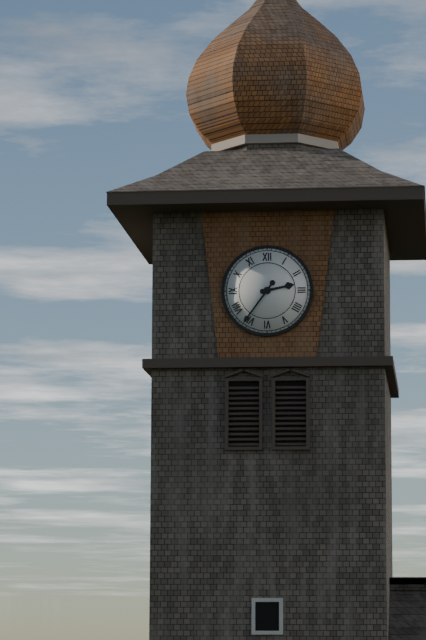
2:36
